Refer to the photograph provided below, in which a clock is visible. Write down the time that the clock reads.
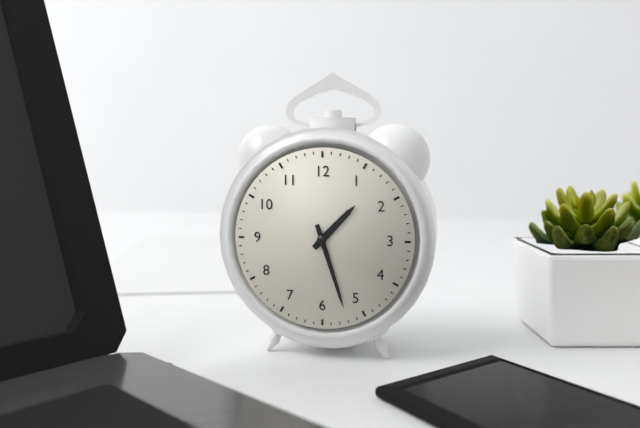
1:27
